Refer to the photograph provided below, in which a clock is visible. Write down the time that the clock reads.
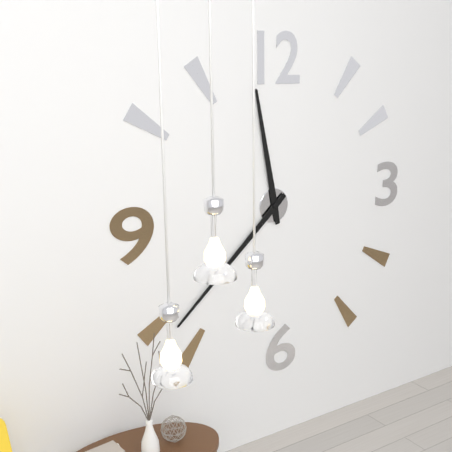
11:38
